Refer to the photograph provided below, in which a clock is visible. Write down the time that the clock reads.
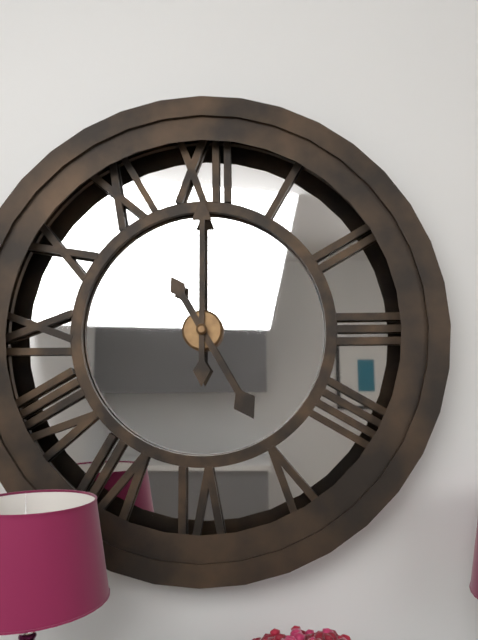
5:00
